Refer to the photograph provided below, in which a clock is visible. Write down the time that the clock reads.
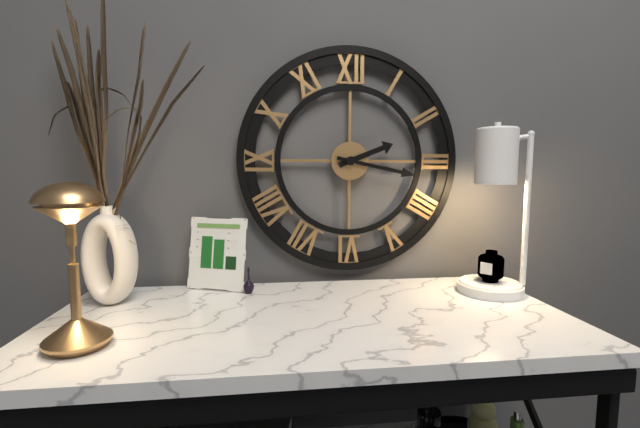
2:17
